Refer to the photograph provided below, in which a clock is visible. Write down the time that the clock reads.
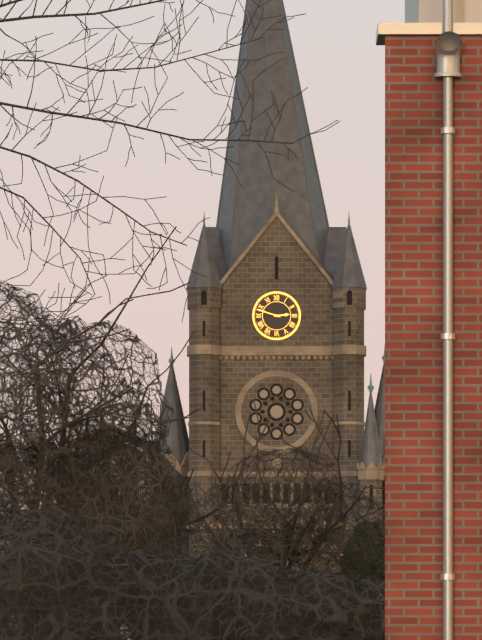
2:48
